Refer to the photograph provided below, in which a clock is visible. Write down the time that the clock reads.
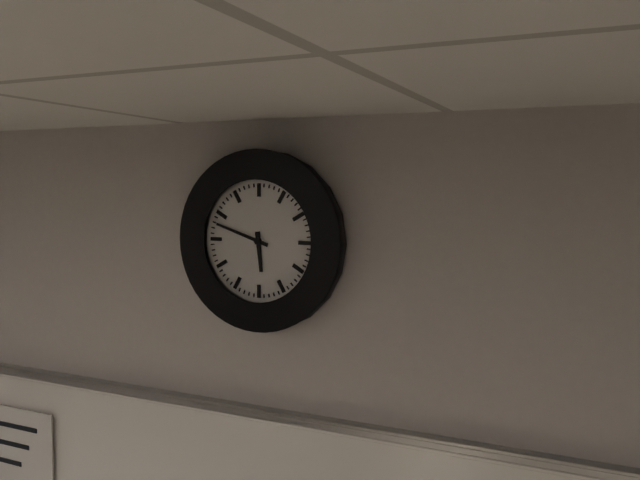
5:48
